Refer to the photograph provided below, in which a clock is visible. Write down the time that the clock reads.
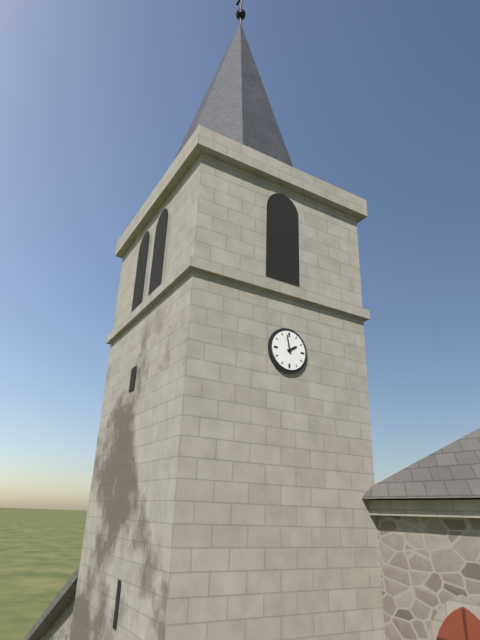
1:58
